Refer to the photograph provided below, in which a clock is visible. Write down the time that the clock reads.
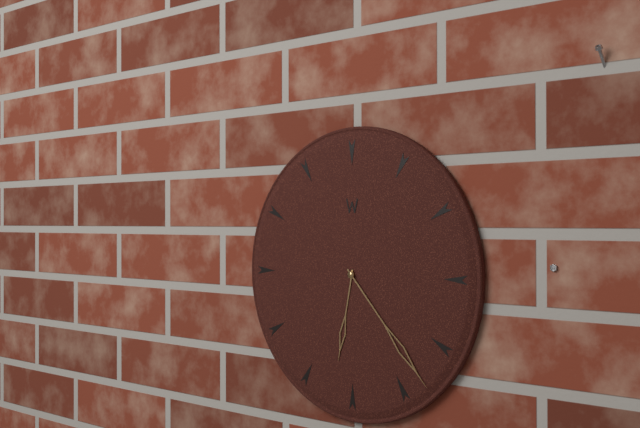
6:23
